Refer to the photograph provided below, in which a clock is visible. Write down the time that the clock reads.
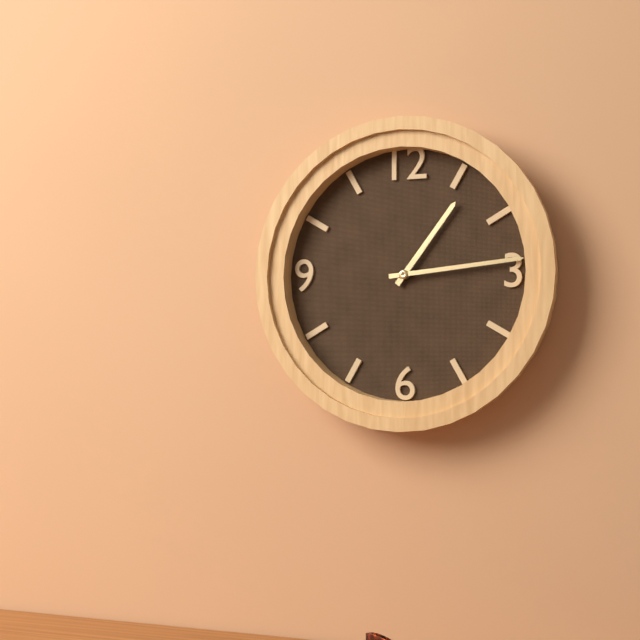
1:14
